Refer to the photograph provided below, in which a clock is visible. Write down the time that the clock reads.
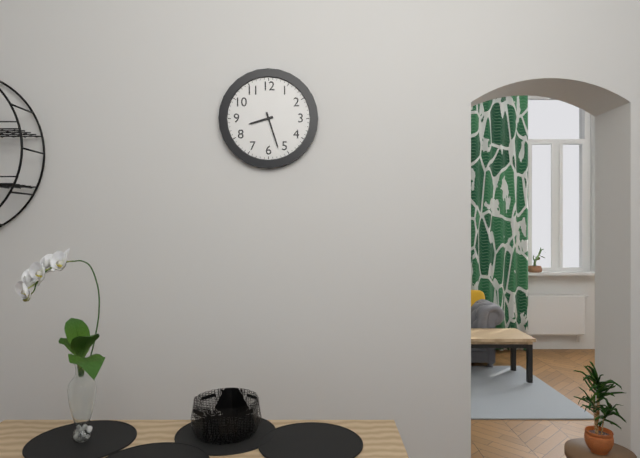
8:27
